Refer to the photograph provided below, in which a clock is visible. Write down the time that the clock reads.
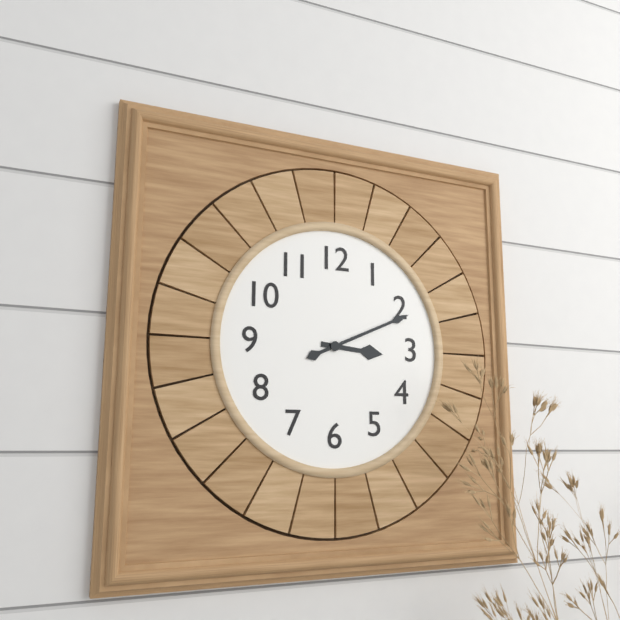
3:11
